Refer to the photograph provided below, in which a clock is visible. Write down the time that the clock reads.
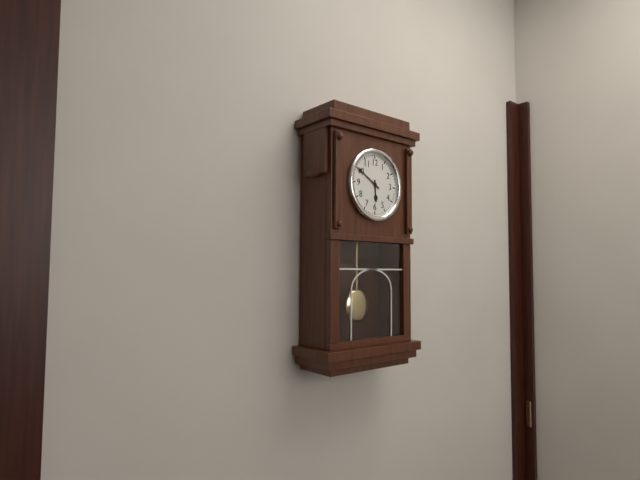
5:50
